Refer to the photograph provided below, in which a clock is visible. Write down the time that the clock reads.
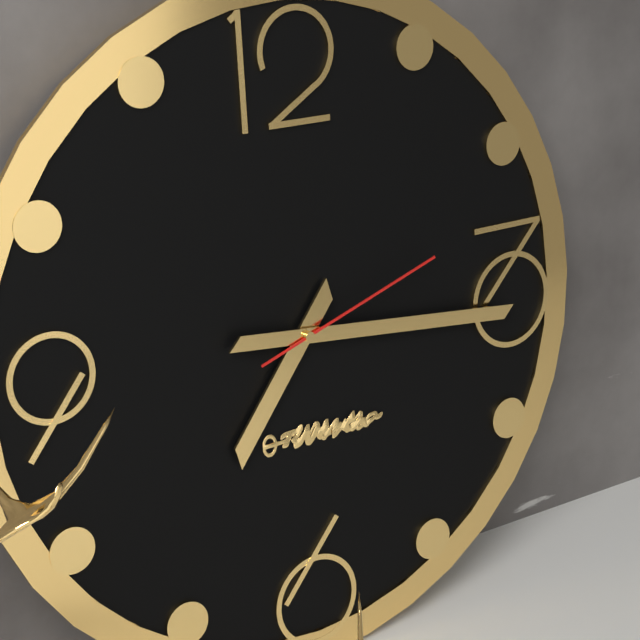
7:16:12
